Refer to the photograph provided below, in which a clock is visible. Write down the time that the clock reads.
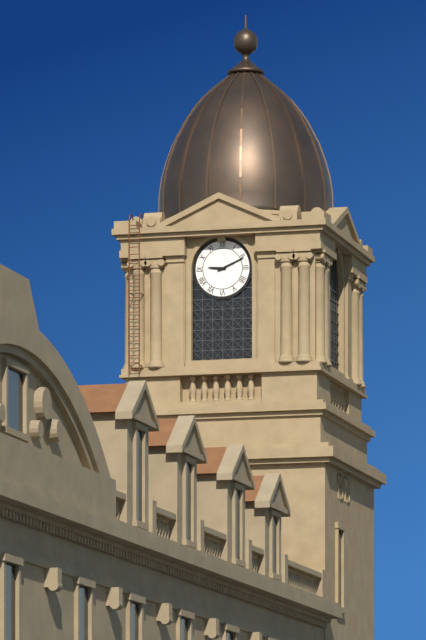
9:11
